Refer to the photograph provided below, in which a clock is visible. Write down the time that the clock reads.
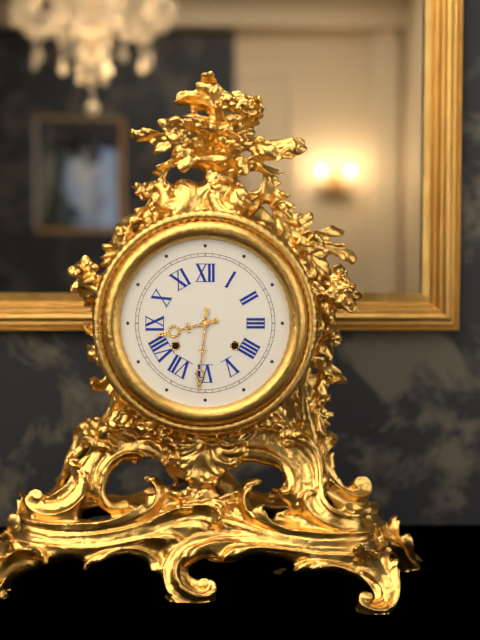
8:31
